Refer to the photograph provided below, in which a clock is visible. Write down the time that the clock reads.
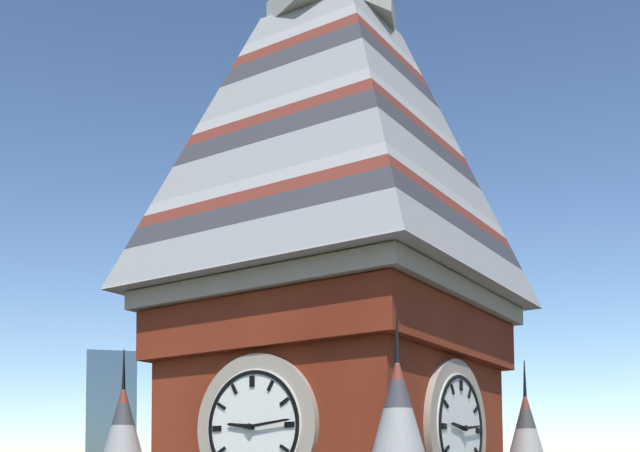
9:14
